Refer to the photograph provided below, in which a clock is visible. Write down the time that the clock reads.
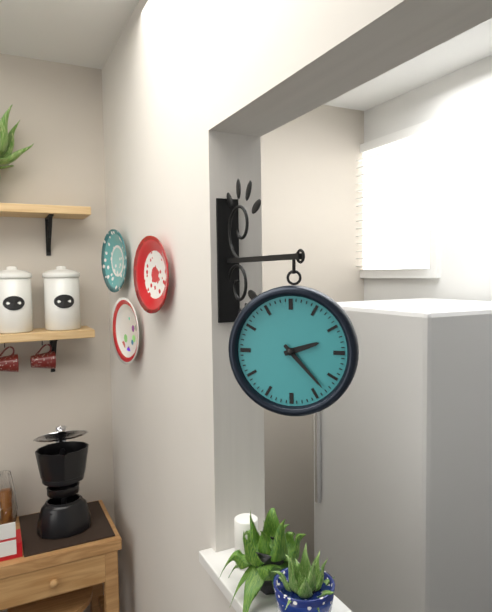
2:23
